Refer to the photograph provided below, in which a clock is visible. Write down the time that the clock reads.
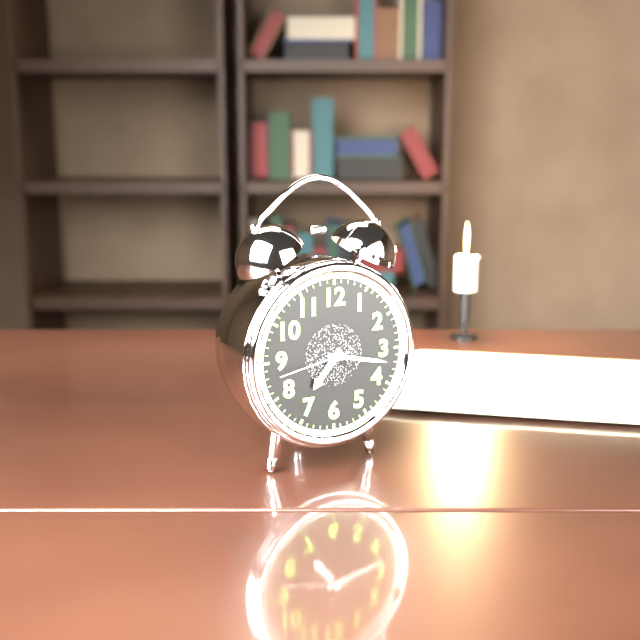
7:17:43
